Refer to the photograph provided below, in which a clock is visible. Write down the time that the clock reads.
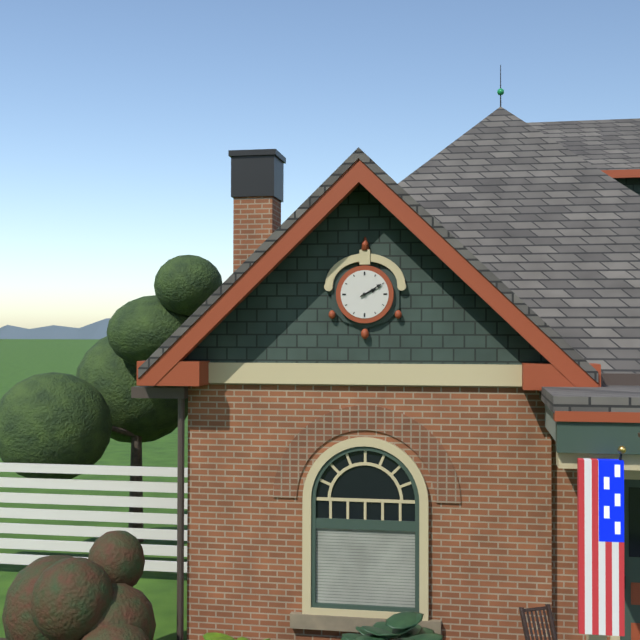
2:10
